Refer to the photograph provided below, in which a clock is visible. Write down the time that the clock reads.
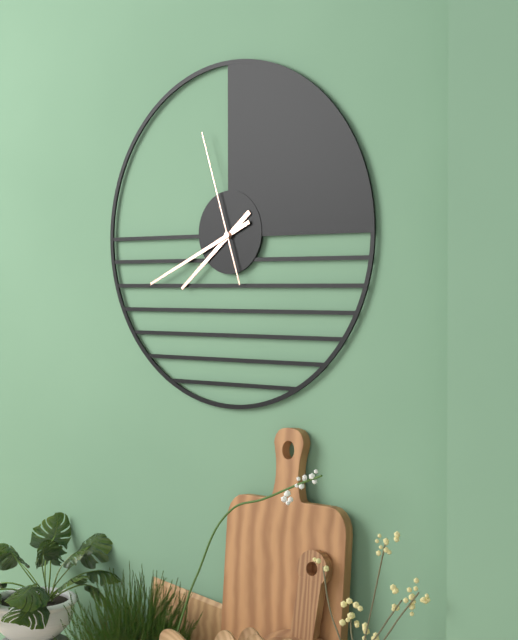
7:41:57
